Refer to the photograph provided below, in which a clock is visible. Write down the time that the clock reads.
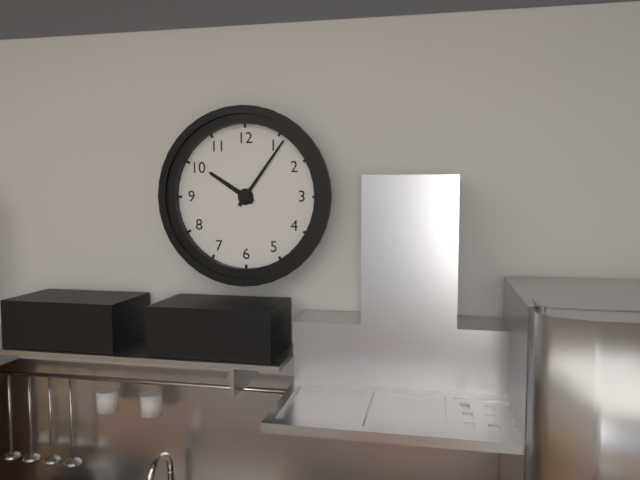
10:06
